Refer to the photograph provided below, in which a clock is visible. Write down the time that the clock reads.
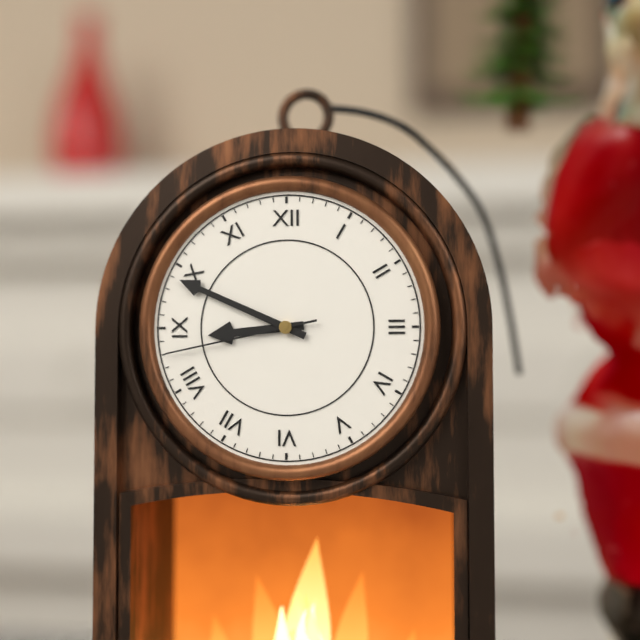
8:49:43
